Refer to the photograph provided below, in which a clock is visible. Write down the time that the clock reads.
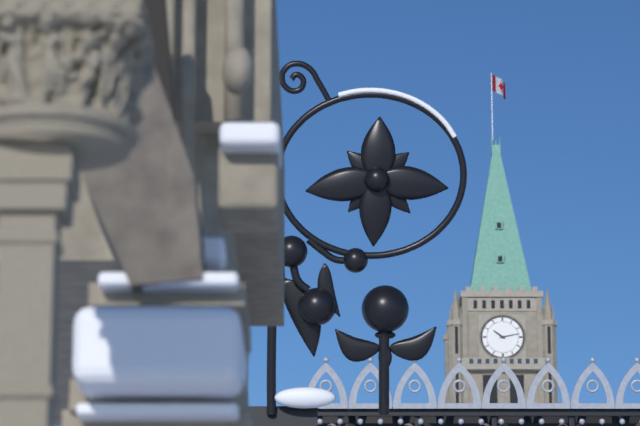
10:13
